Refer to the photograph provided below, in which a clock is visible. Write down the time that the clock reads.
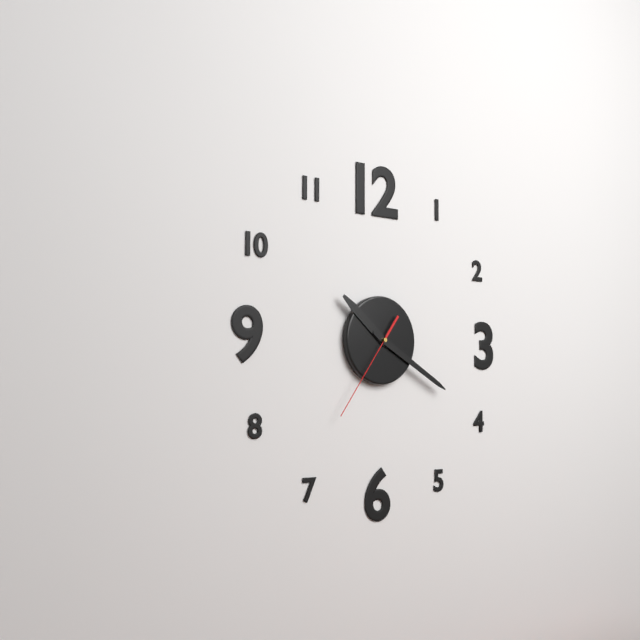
10:20:36
